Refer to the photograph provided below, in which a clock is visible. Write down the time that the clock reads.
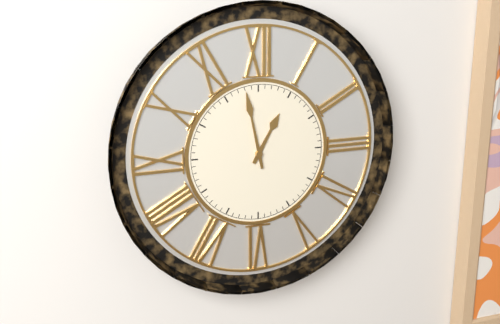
12:58
